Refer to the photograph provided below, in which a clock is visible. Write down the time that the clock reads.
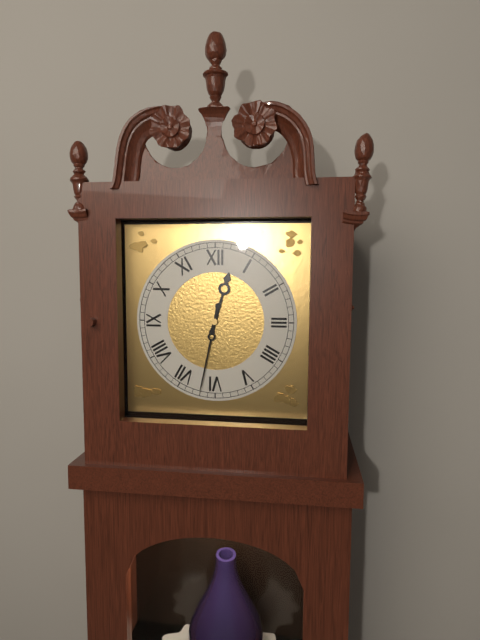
12:32
